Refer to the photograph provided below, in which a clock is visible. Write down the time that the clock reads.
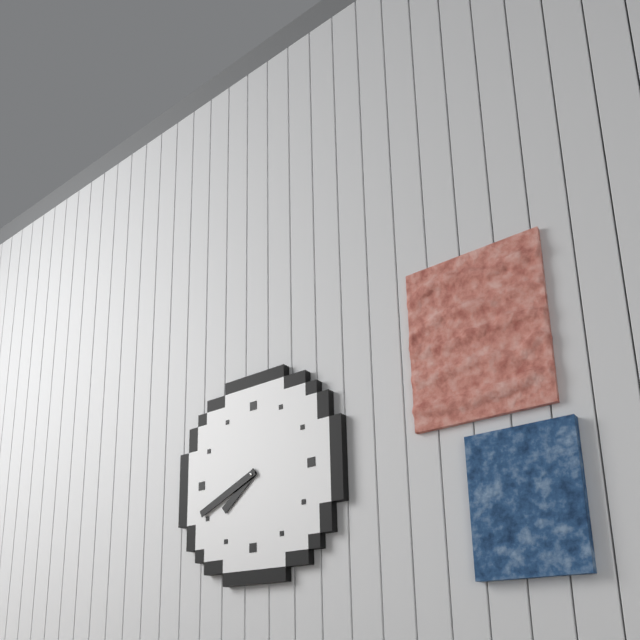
7:41
